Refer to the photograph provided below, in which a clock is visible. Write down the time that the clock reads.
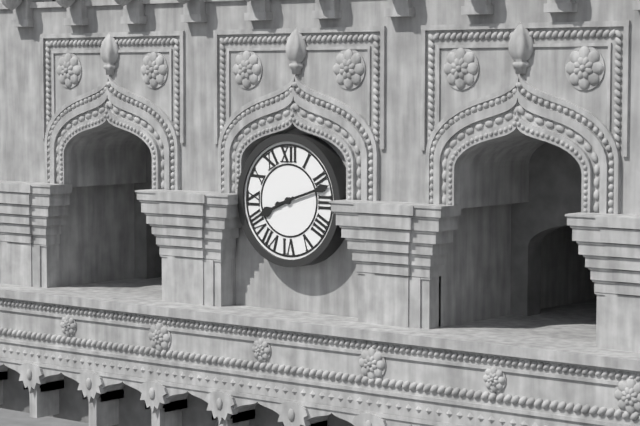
8:12
